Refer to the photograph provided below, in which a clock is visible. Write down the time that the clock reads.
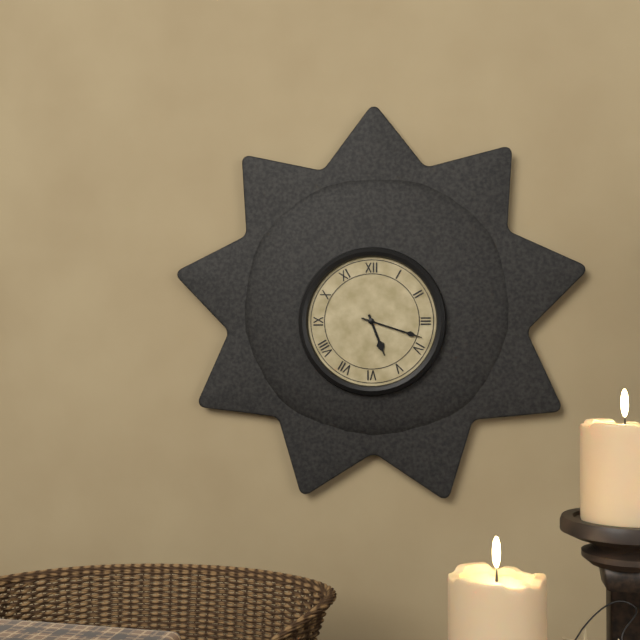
5:18
